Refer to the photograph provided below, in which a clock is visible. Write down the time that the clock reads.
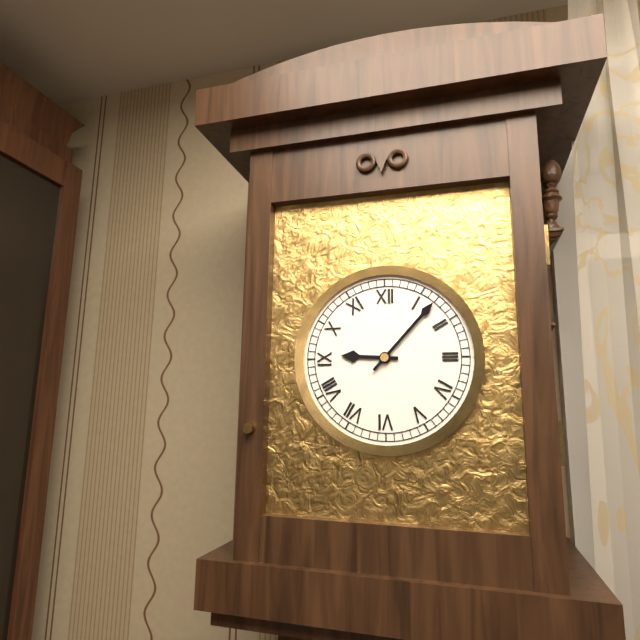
9:07
